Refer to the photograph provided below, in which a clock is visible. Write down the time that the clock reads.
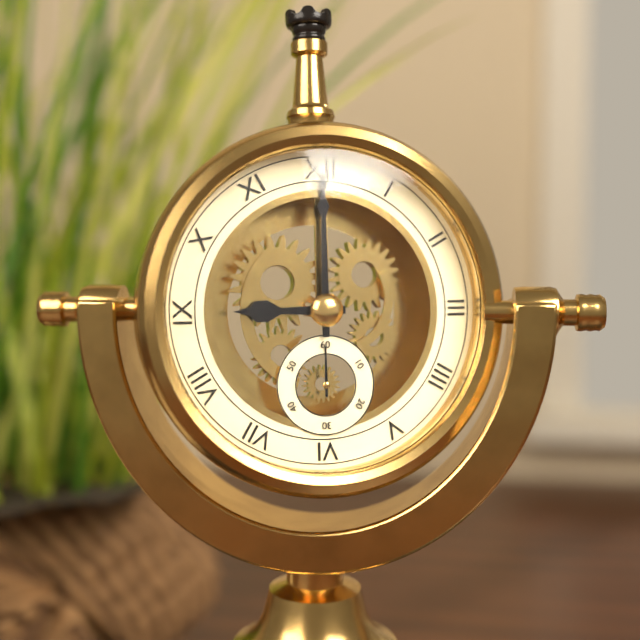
9:00
